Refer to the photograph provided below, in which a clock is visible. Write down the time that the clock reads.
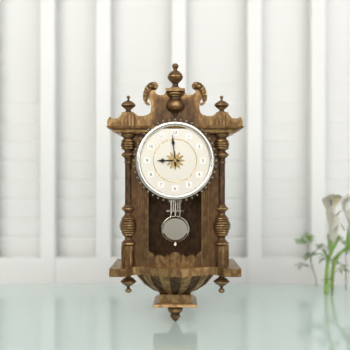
8:59
